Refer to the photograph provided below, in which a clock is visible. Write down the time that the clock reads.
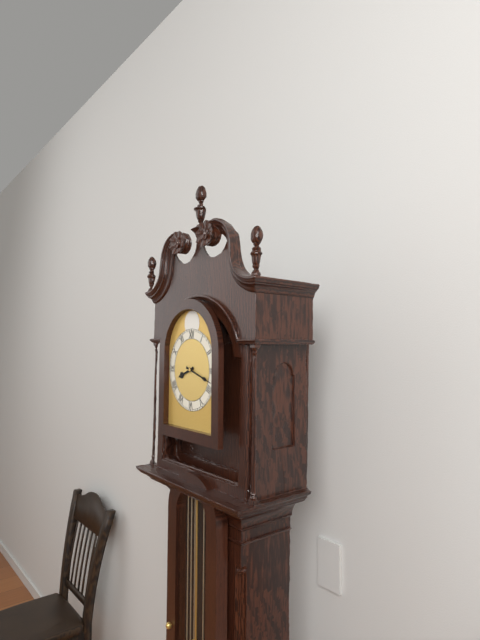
8:18
